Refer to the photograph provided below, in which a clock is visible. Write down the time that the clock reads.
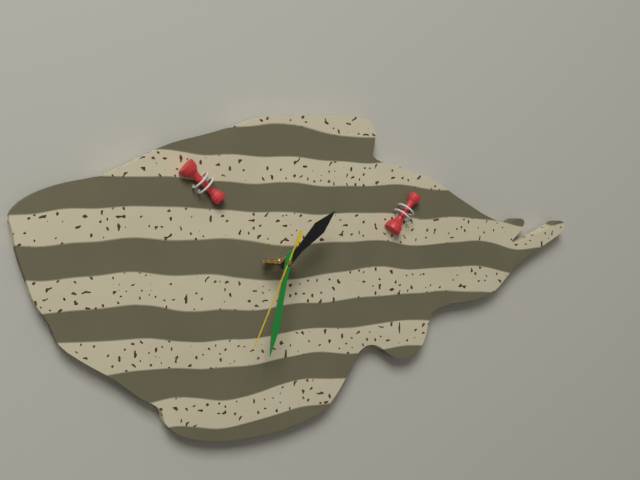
1:32:34
